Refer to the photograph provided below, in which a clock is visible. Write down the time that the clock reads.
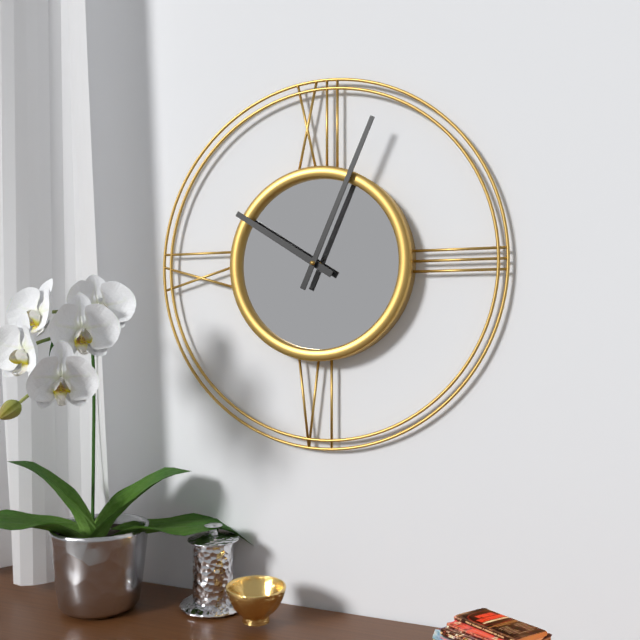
10:04
